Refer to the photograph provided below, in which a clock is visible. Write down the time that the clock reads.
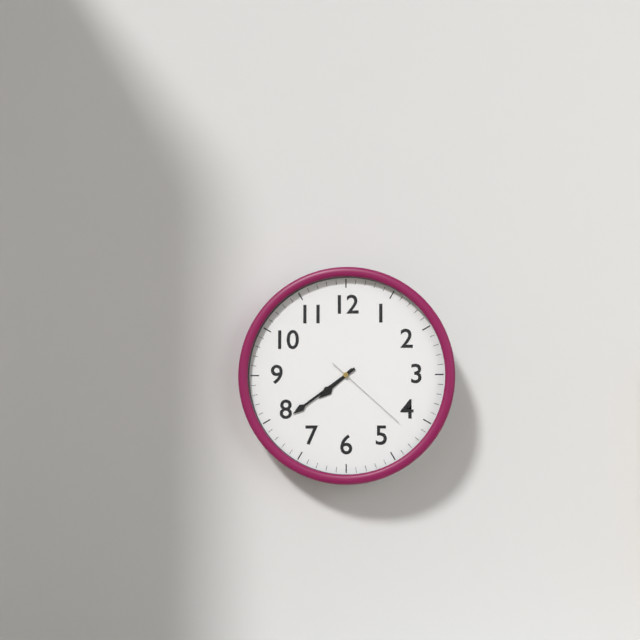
7:39:22
